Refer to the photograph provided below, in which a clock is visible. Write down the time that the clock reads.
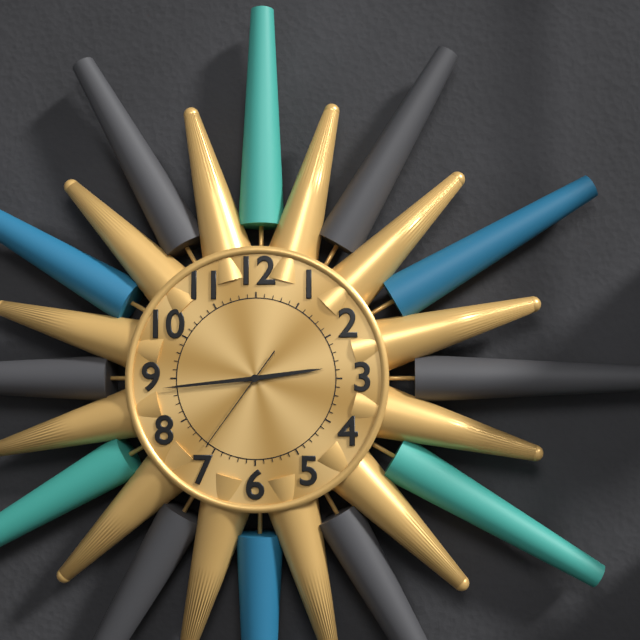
2:44:36
